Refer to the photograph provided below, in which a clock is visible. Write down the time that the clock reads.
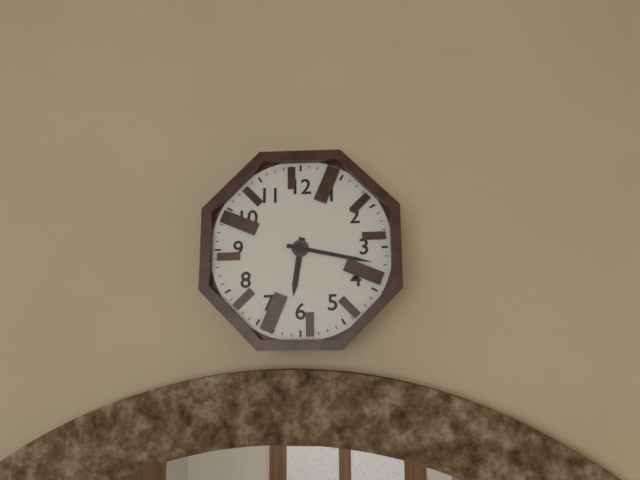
6:17
